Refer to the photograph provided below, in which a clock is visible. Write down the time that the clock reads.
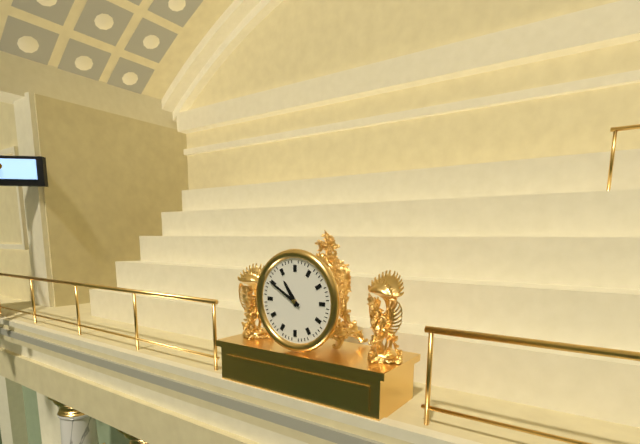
10:50
